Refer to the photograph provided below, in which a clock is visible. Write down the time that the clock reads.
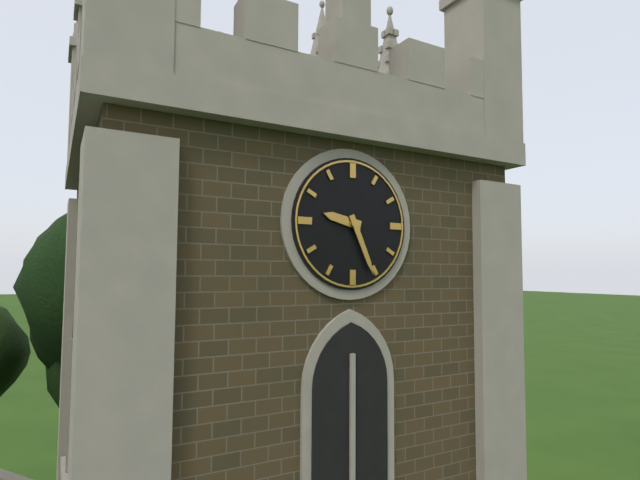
9:26
